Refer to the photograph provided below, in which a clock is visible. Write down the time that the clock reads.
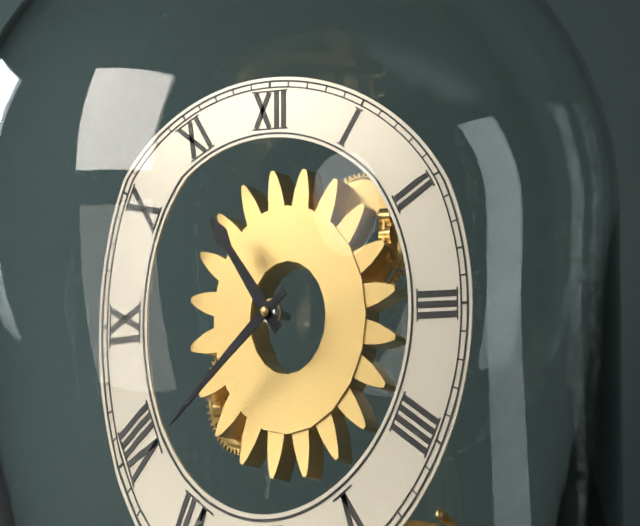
10:39
